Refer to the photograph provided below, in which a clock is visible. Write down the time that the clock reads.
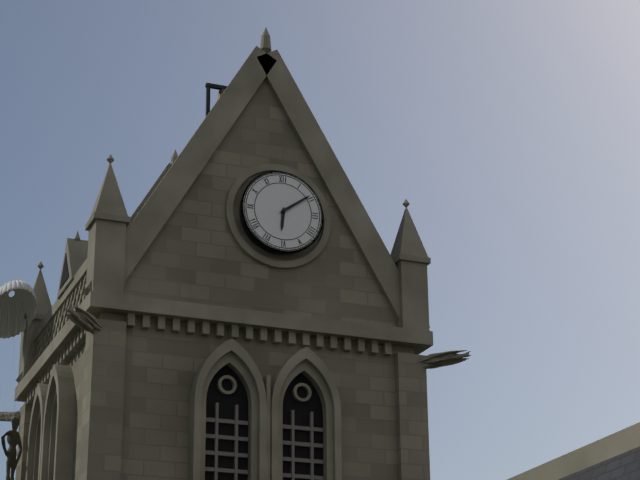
6:09
